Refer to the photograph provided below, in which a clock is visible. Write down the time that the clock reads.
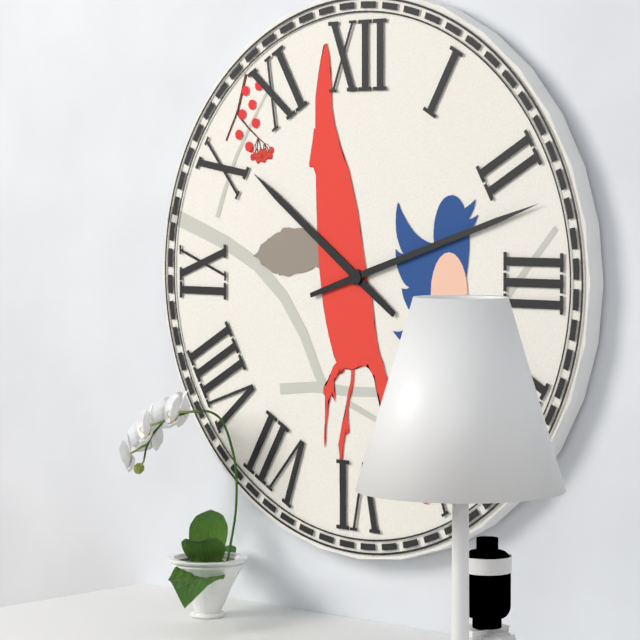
10:12
